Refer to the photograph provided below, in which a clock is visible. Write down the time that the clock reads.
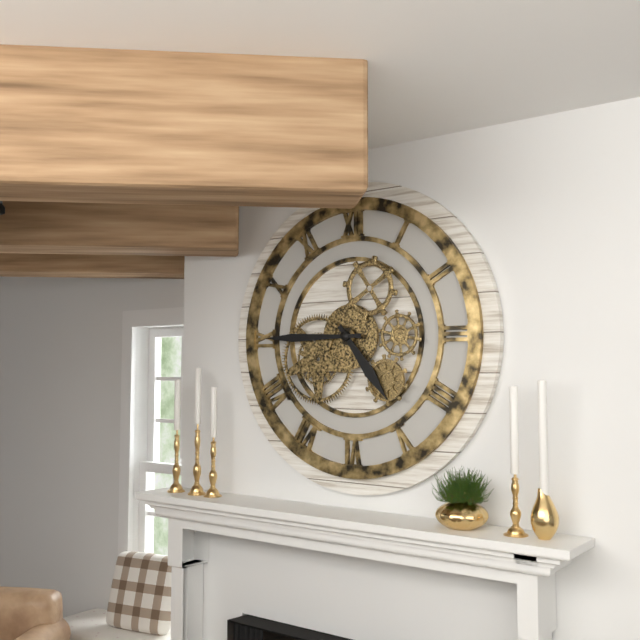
4:45
